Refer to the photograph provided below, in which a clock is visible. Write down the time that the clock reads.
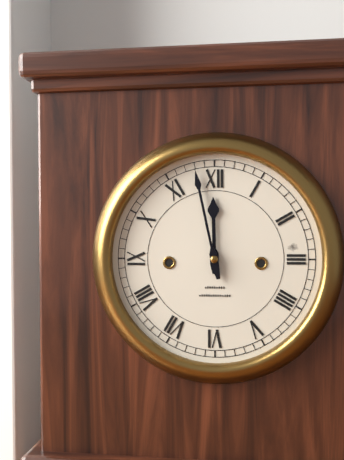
11:58
